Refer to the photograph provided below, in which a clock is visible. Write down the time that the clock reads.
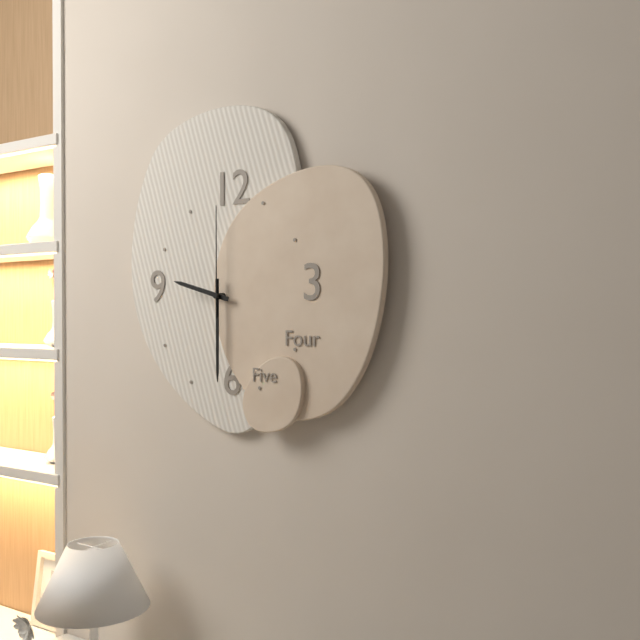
9:30:00
